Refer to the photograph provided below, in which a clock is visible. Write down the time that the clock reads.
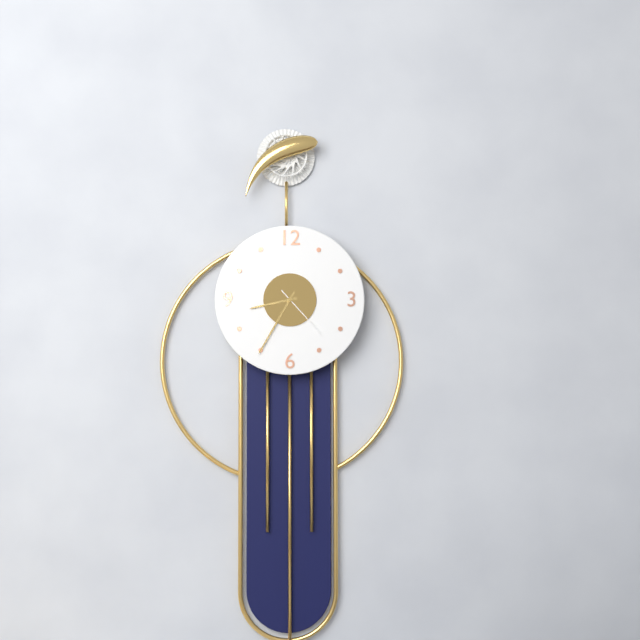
8:35:23
